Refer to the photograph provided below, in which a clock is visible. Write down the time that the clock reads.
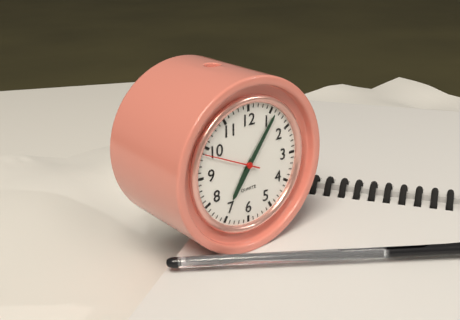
7:06:49
